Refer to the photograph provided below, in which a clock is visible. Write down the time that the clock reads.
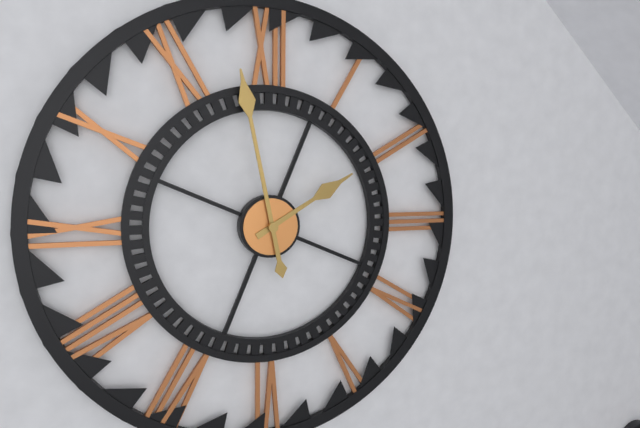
1:58
